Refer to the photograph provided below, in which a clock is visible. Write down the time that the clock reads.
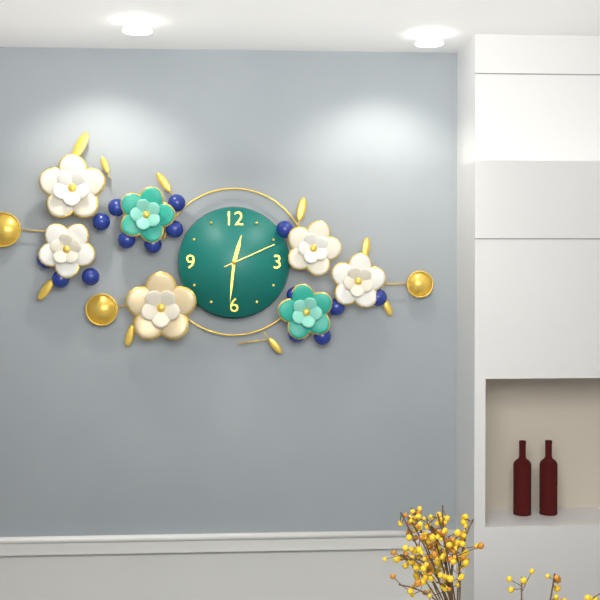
12:31:11
